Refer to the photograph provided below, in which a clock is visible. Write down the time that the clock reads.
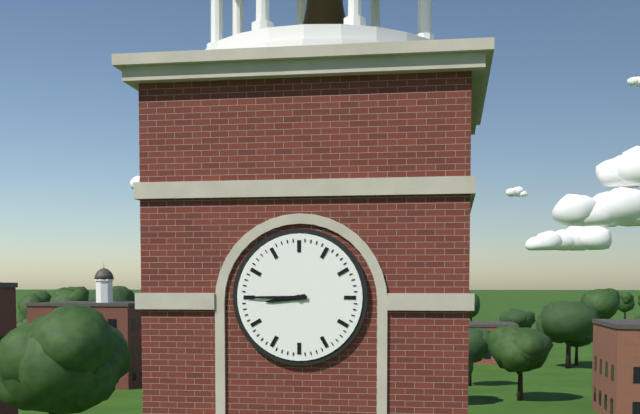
8:45
